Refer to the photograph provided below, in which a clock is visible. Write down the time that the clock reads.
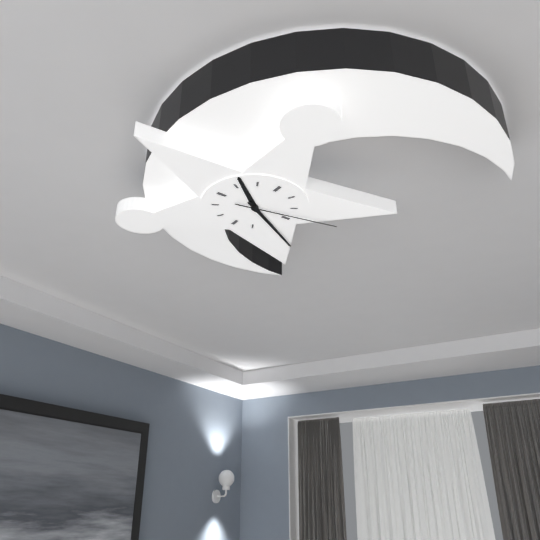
10:20:13
